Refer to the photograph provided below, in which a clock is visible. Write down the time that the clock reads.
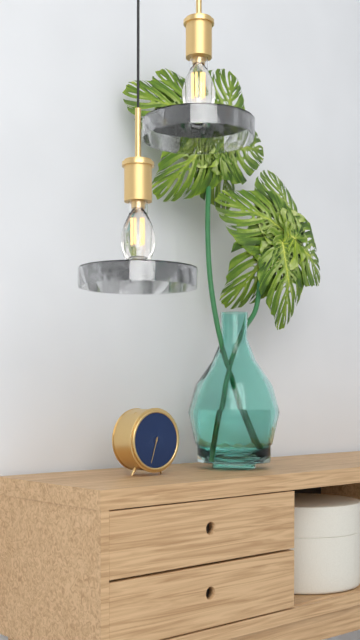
6:33
